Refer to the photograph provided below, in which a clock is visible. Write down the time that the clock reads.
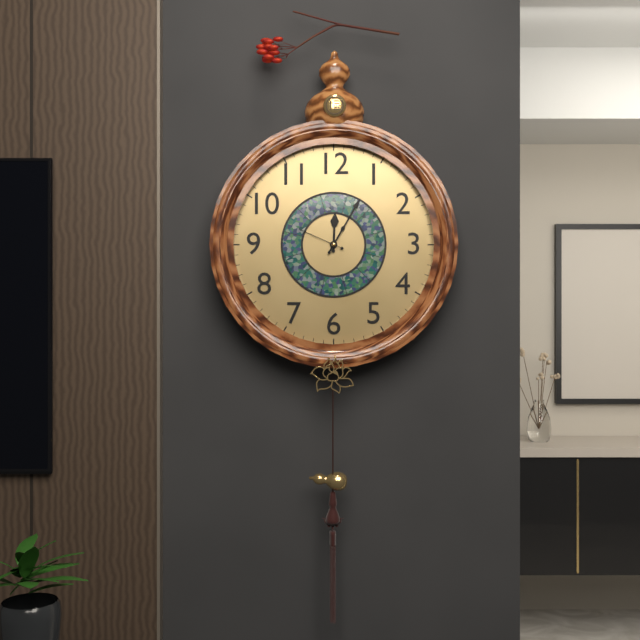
12:05
